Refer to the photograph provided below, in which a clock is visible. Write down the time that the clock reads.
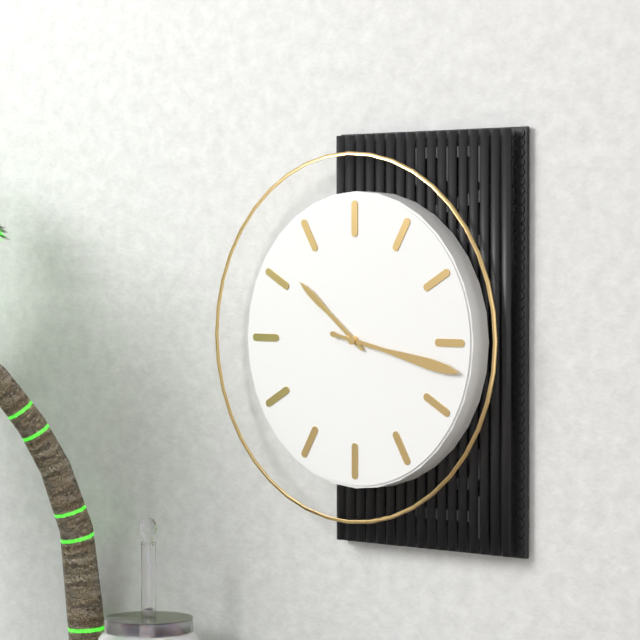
10:17
